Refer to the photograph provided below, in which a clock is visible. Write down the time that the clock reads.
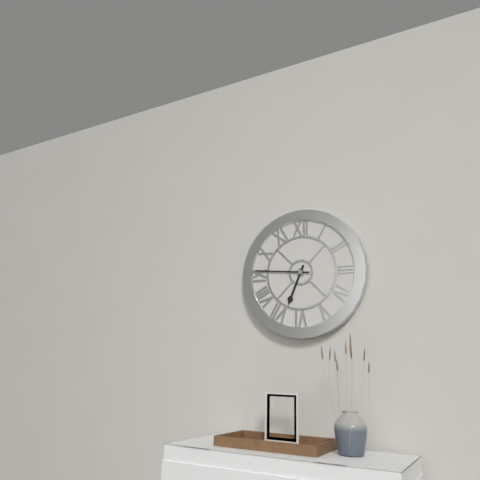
6:46
